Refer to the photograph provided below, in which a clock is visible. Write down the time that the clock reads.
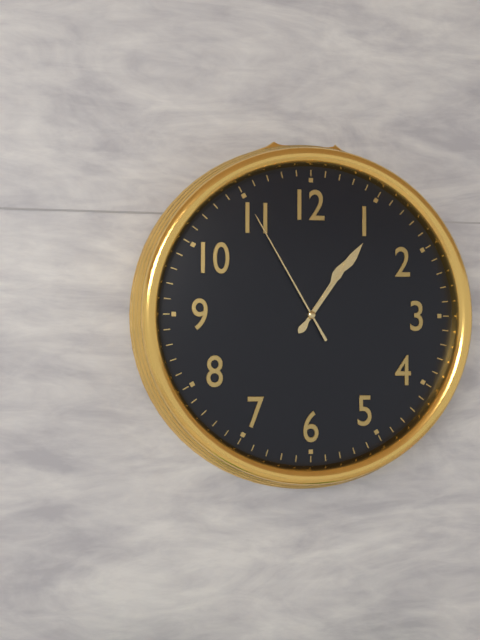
1:06:55
